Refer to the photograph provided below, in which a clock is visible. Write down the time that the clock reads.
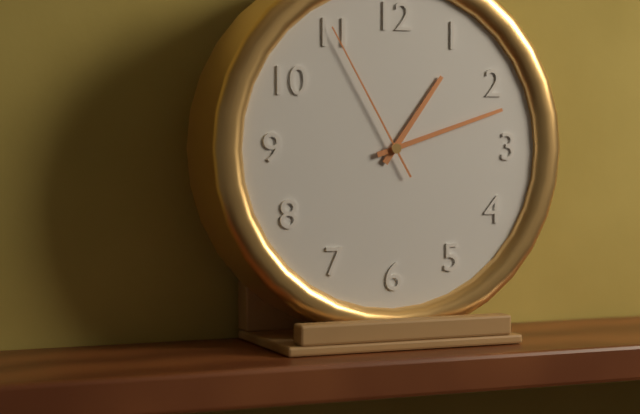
1:12:55
